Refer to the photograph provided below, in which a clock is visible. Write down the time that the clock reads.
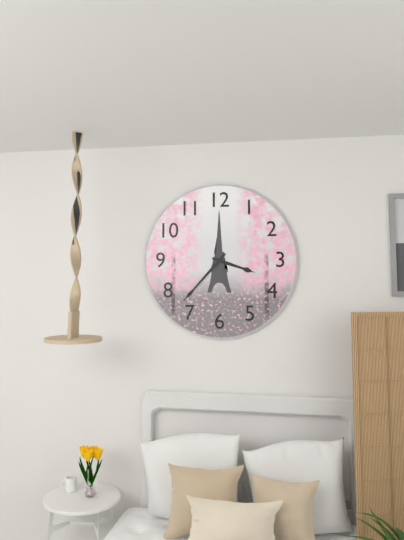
3:37
